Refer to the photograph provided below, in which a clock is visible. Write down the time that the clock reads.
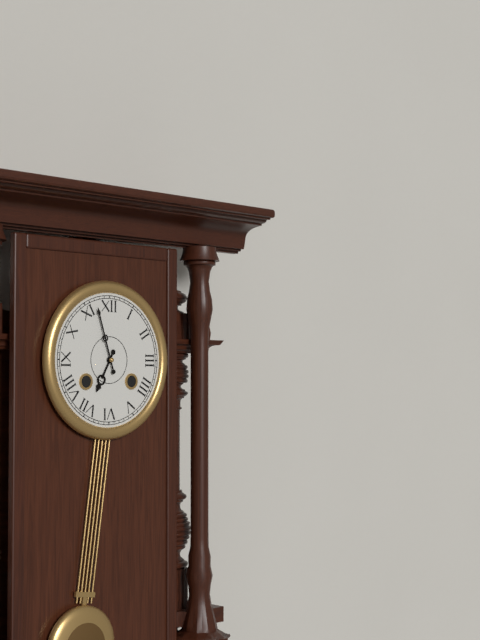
6:57
